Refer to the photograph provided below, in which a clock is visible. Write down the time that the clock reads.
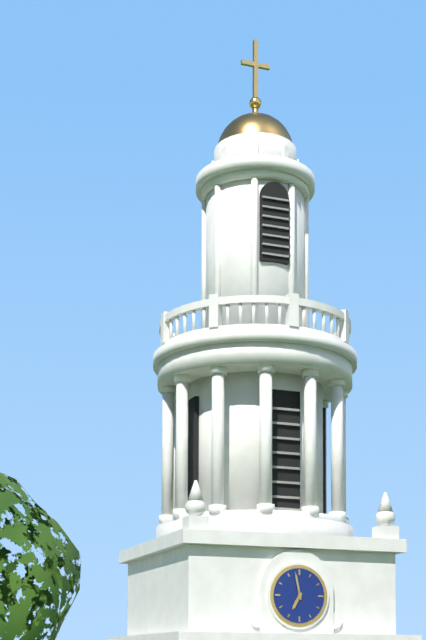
6:58
